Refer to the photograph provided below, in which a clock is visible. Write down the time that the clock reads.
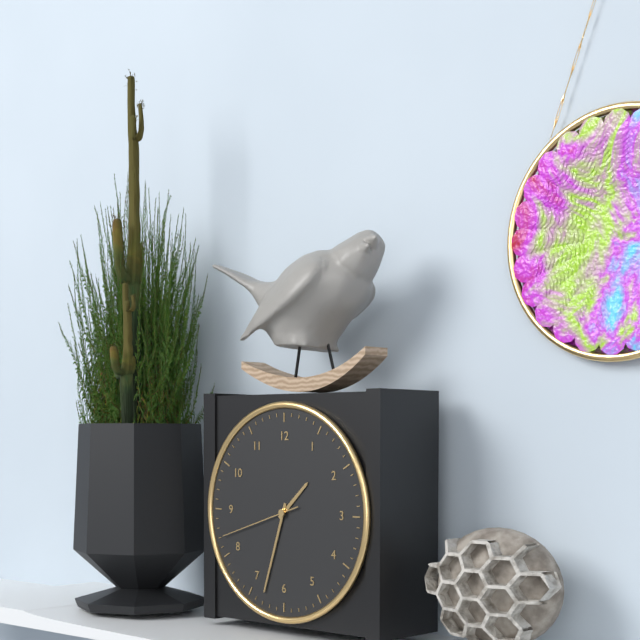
1:33:42
